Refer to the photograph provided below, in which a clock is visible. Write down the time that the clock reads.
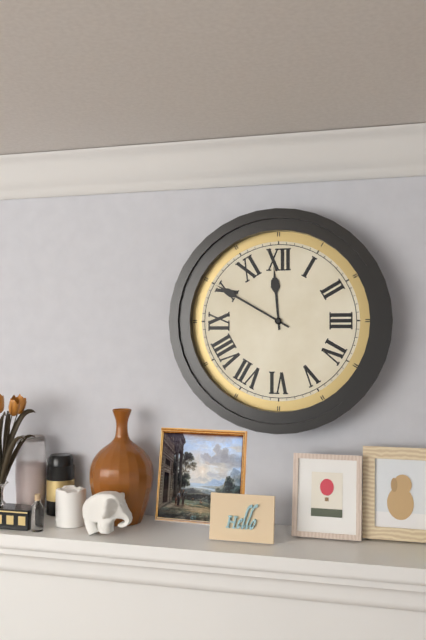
11:50
